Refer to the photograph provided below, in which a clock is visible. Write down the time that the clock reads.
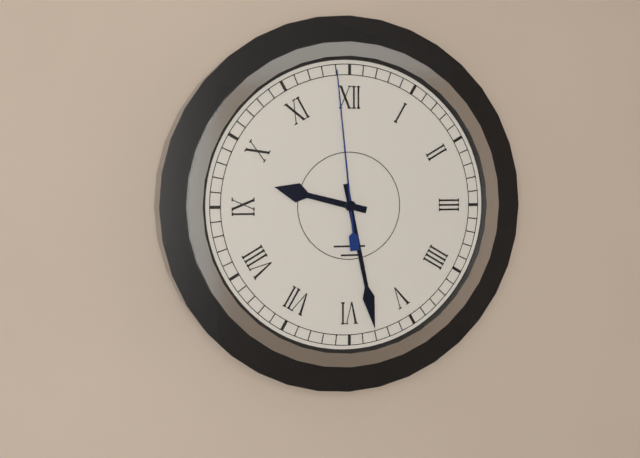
9:28:59
